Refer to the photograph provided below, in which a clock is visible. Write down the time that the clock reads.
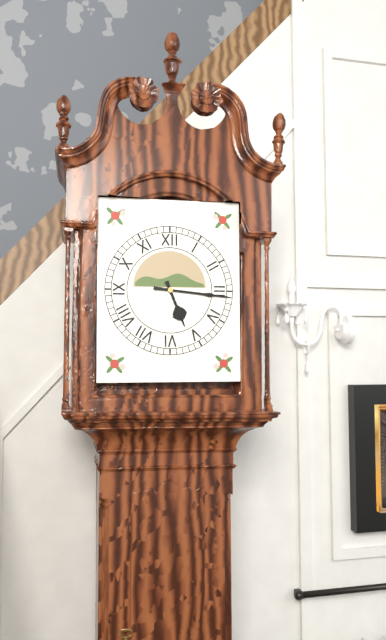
5:16
